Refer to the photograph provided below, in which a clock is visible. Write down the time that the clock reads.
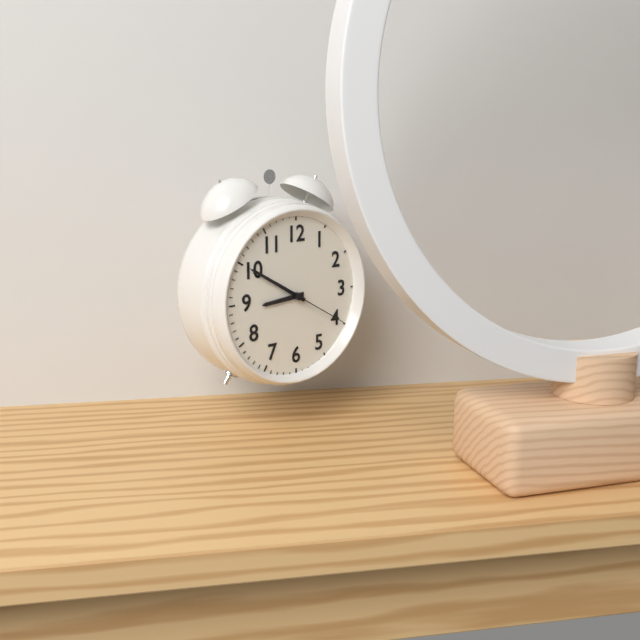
8:50:20
